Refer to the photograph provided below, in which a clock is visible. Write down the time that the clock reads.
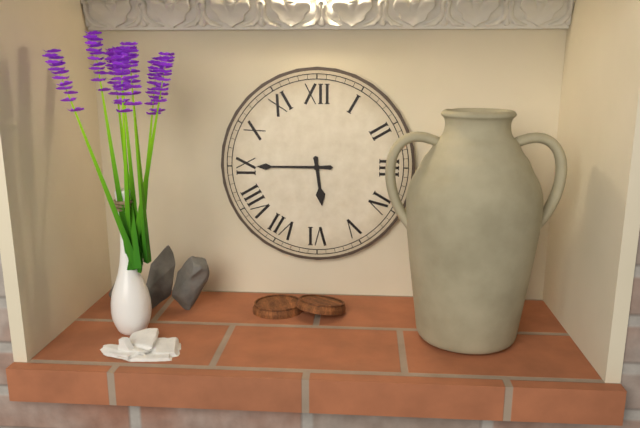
5:45
